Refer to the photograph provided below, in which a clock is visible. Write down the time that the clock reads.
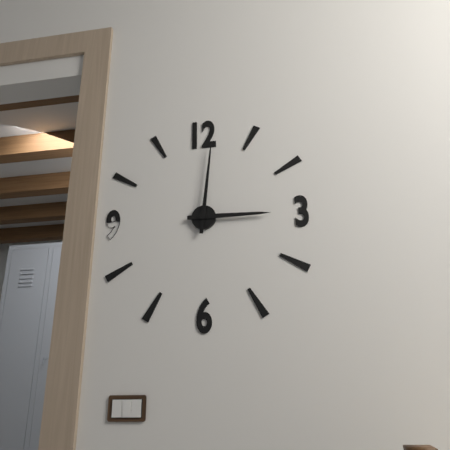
3:01
